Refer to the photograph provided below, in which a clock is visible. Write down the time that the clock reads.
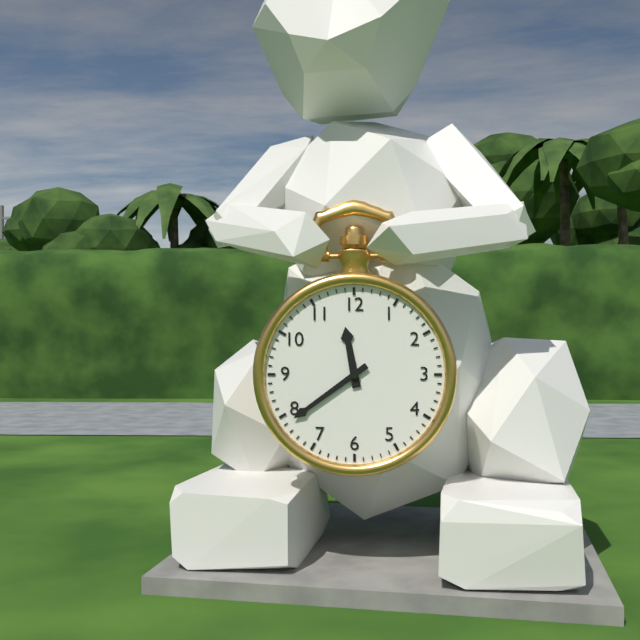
11:39
